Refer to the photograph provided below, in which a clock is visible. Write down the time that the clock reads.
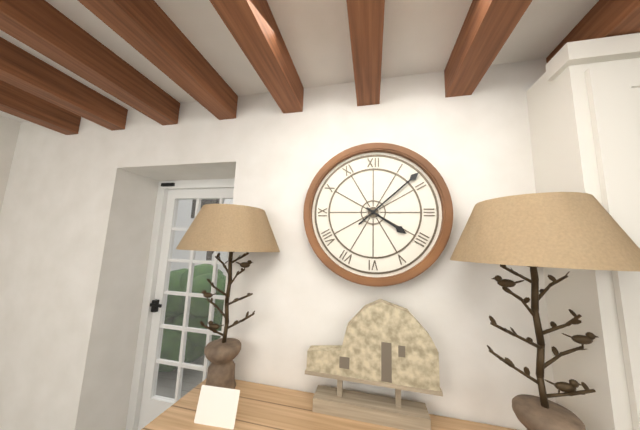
4:08
